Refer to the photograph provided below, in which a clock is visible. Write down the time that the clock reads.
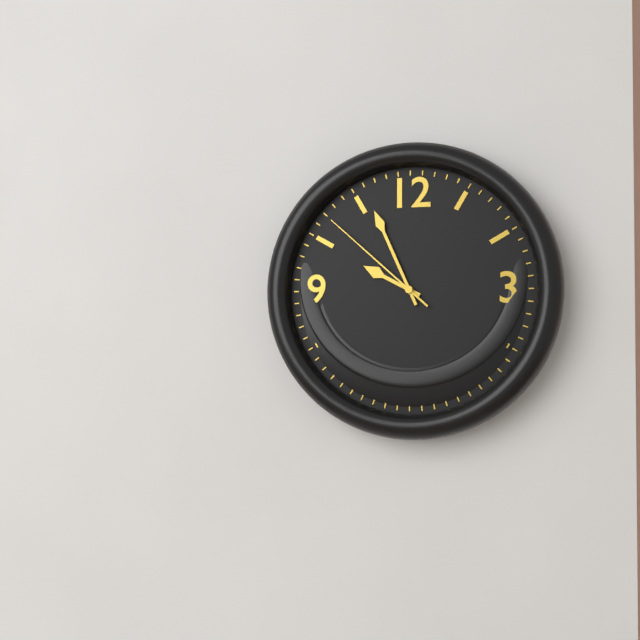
9:56:52
